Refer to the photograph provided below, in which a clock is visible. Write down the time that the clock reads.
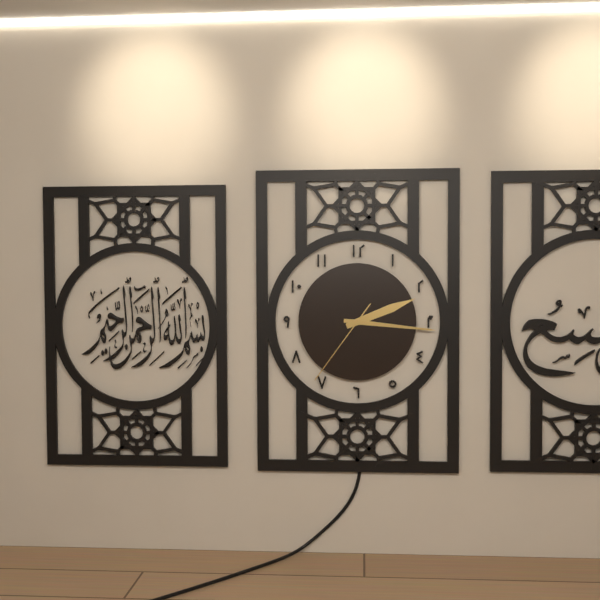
2:16:36
